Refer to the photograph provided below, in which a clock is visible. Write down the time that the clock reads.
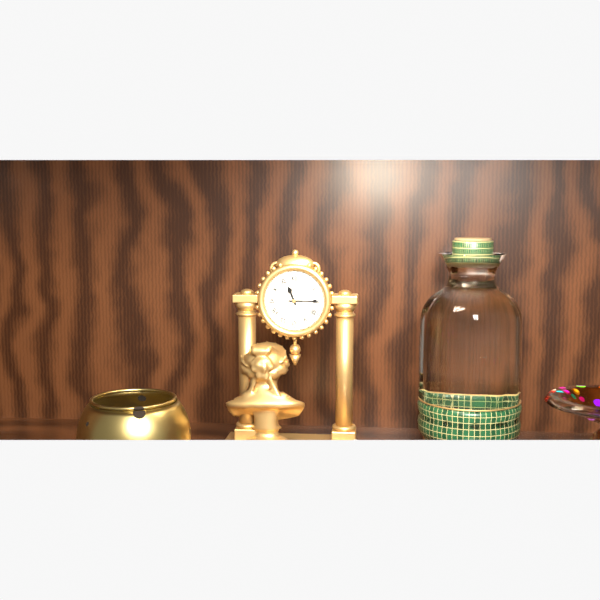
11:15
